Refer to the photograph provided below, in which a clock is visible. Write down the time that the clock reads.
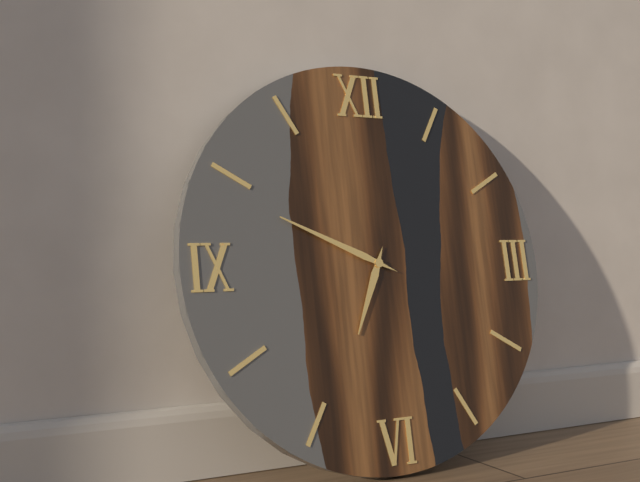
6:49
